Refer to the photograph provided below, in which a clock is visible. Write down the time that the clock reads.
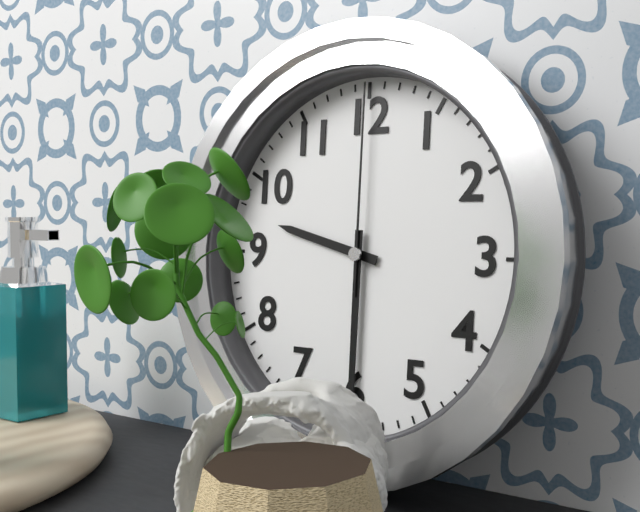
9:30:00
